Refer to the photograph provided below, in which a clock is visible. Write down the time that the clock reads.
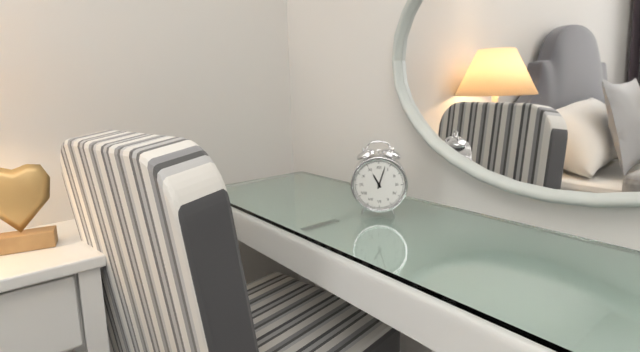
11:03
